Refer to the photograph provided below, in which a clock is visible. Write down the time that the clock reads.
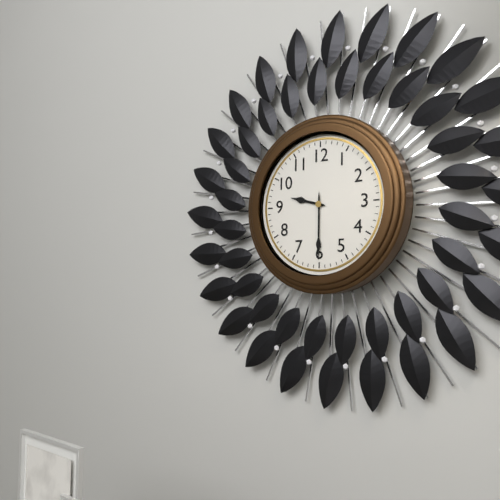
9:30
